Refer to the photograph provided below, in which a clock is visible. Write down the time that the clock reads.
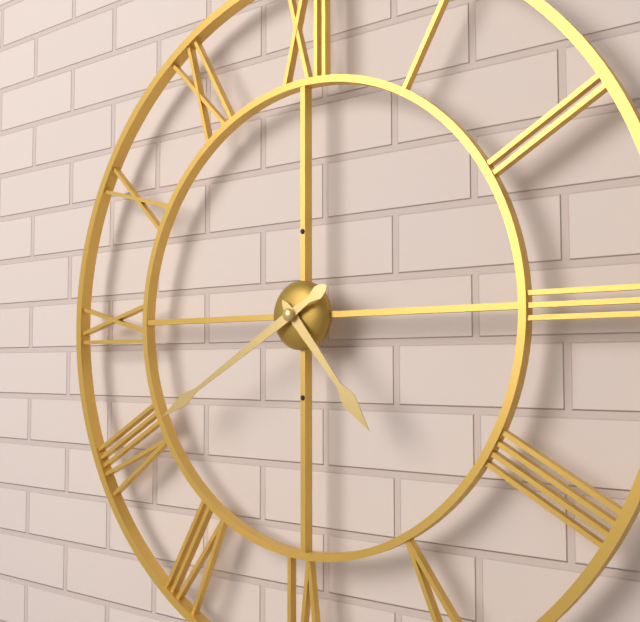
4:40
